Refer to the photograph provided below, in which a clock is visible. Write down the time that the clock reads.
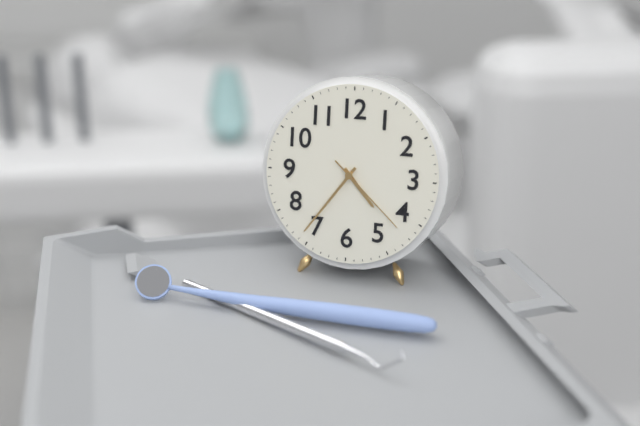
4:36:22
